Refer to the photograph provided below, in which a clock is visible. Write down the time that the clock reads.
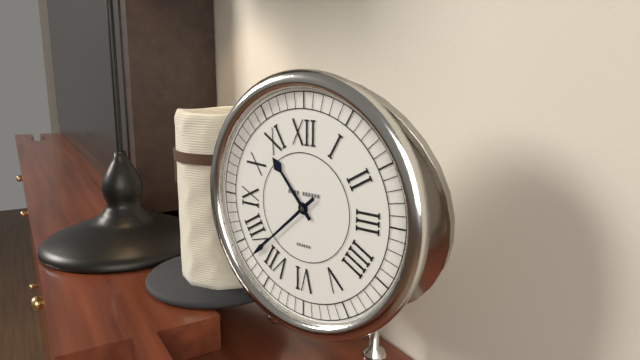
10:38
